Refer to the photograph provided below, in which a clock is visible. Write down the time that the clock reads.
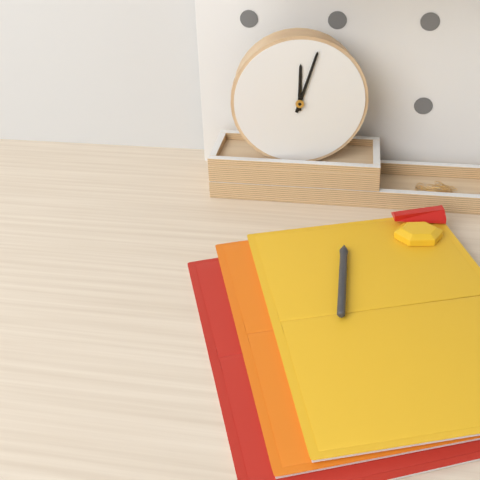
12:03
